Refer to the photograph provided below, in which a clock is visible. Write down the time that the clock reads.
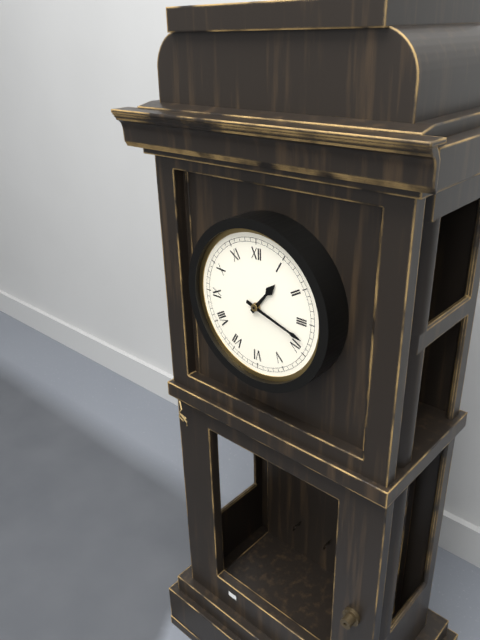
1:18
